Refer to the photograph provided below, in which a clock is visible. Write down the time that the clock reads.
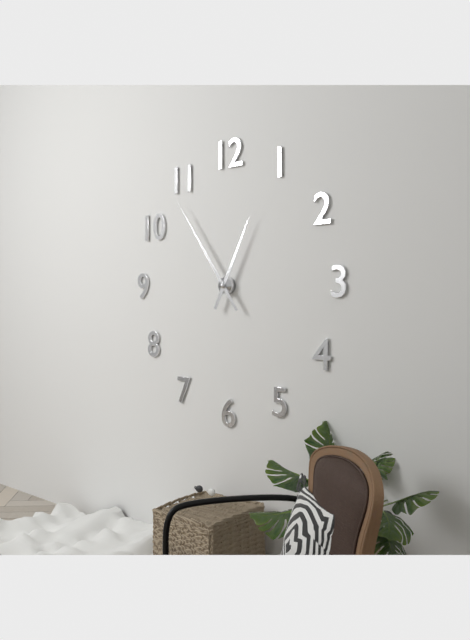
12:54
